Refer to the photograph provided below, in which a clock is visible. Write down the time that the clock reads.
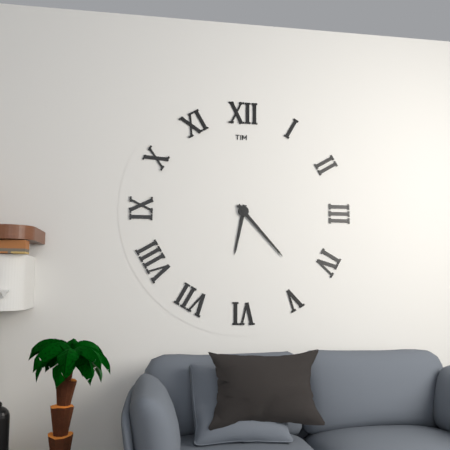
6:23
